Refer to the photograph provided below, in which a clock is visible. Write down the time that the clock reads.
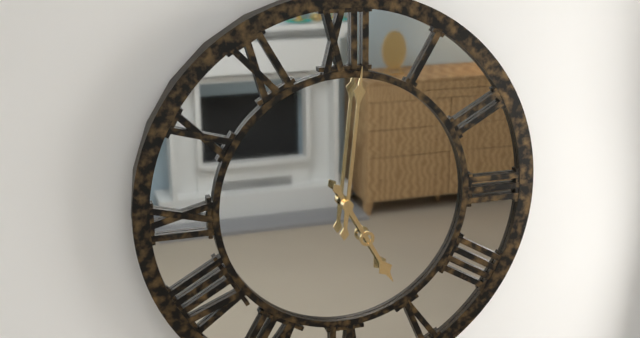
5:01
